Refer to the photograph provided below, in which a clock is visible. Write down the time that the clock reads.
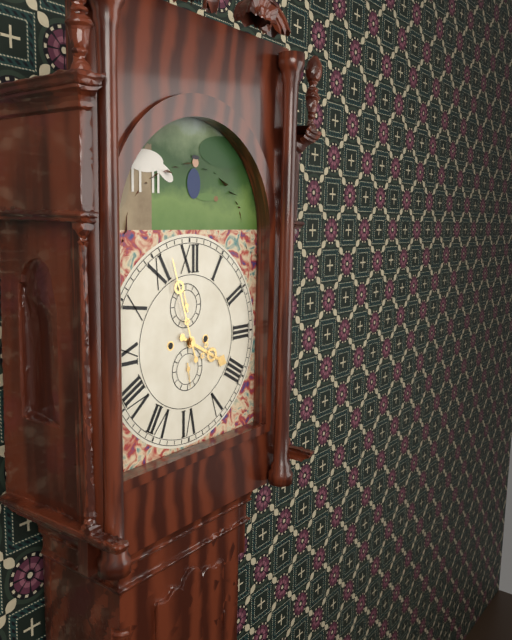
3:57
